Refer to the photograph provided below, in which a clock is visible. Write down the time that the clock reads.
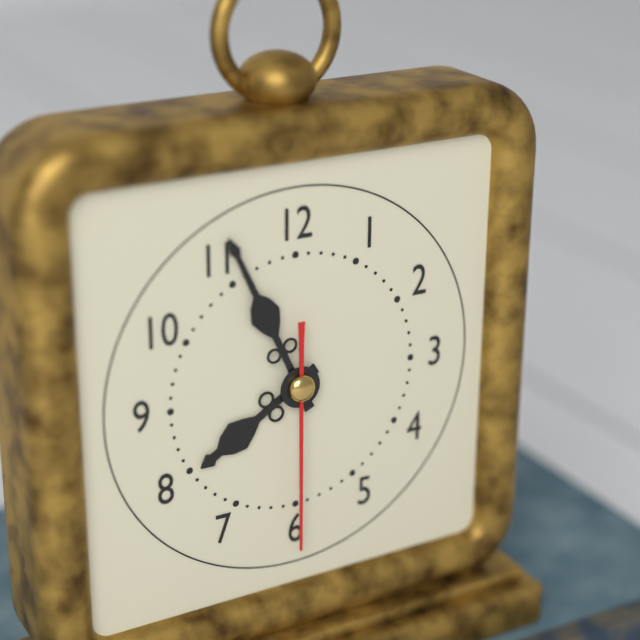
7:56:30
